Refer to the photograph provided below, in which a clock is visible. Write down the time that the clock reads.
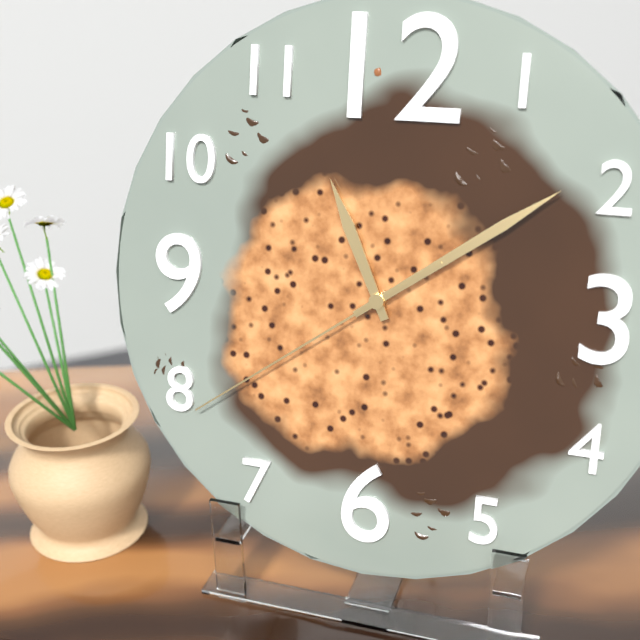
11:09:39
